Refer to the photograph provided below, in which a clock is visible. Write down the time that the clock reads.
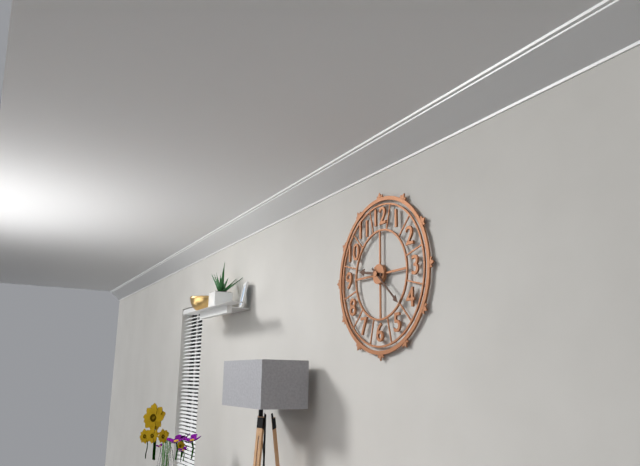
9:22
